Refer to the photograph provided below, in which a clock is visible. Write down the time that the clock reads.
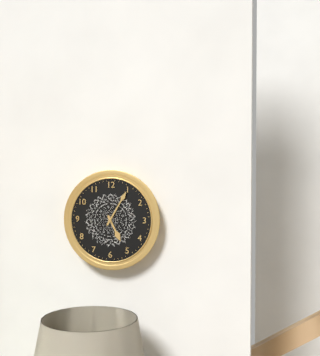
5:05
